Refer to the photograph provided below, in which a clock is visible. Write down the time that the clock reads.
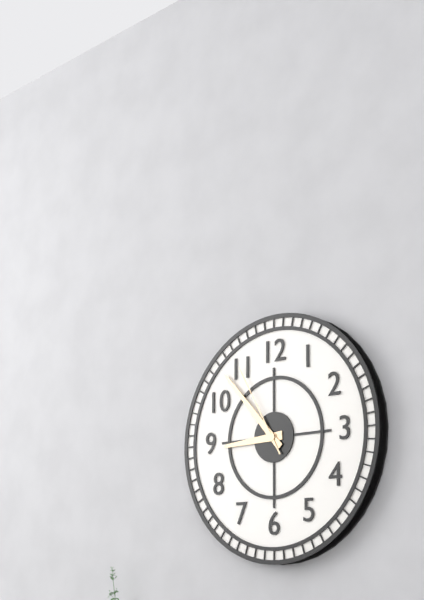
8:53:55
